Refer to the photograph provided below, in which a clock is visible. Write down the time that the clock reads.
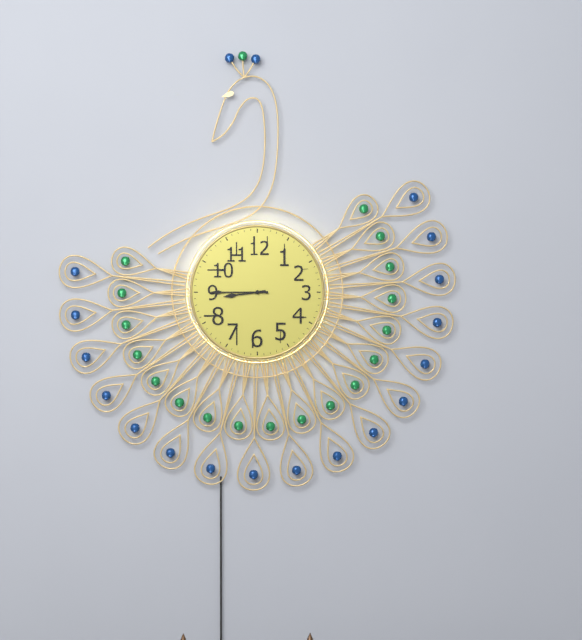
8:45
